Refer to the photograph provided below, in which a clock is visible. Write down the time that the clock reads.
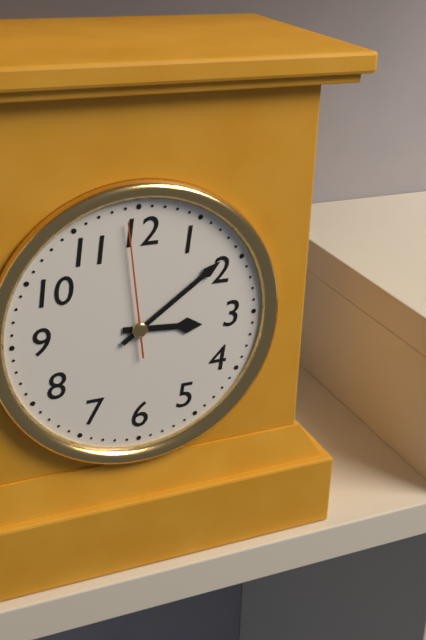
3:09:59
